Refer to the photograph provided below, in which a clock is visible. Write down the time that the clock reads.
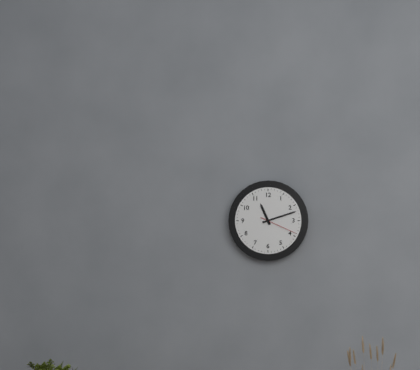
11:12
